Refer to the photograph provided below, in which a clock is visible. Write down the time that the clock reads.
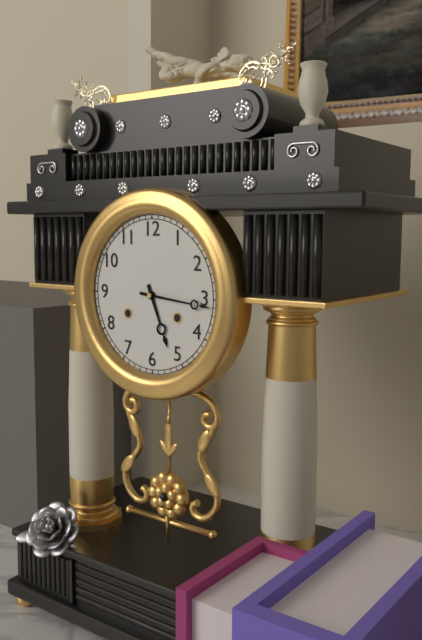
5:16
